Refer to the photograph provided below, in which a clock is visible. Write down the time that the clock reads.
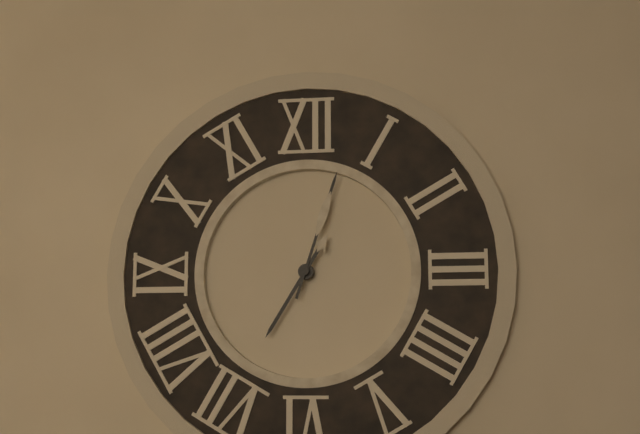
7:03
